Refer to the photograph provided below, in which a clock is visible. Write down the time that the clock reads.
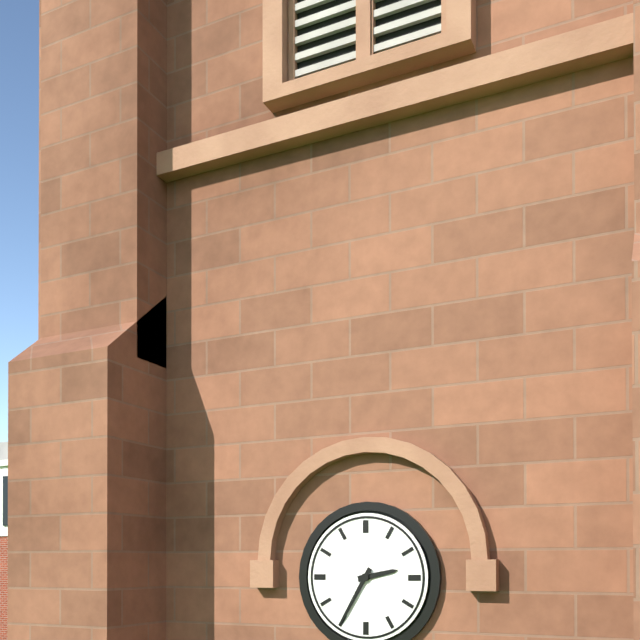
2:35
